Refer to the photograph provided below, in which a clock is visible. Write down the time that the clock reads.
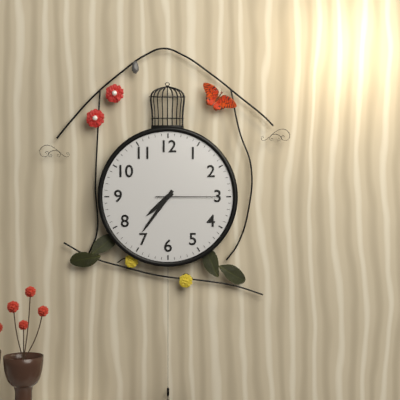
7:36:15
